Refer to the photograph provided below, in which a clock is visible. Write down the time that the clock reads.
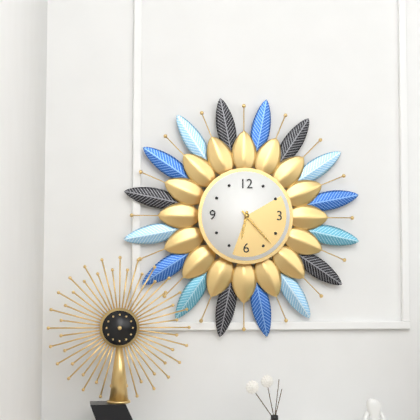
6:23
